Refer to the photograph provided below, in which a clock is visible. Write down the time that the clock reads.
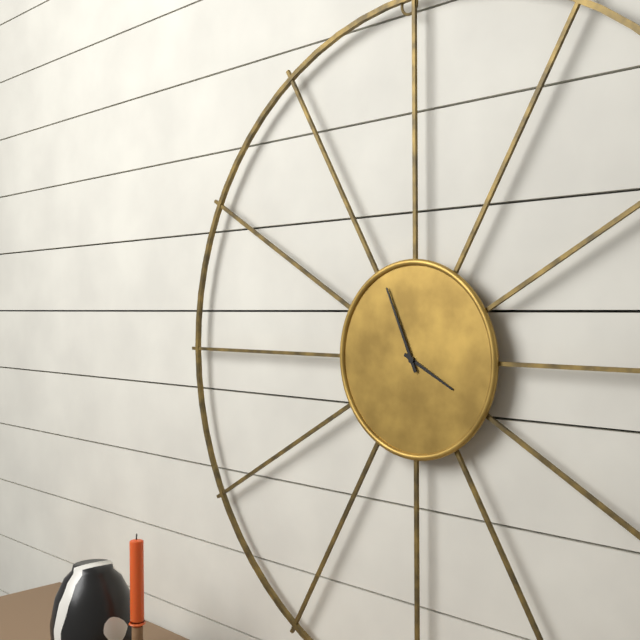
3:56
